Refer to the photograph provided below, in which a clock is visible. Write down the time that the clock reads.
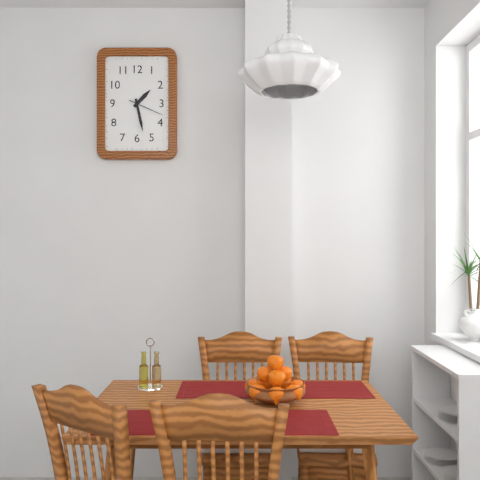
1:28
